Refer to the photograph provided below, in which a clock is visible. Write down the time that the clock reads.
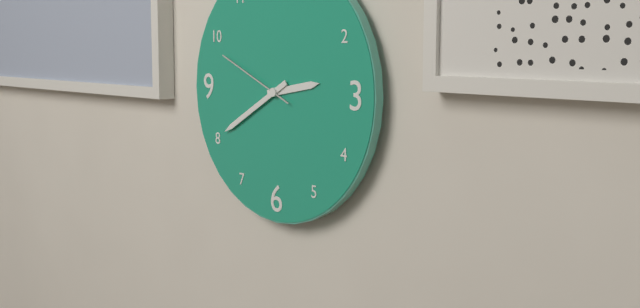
2:40:49
